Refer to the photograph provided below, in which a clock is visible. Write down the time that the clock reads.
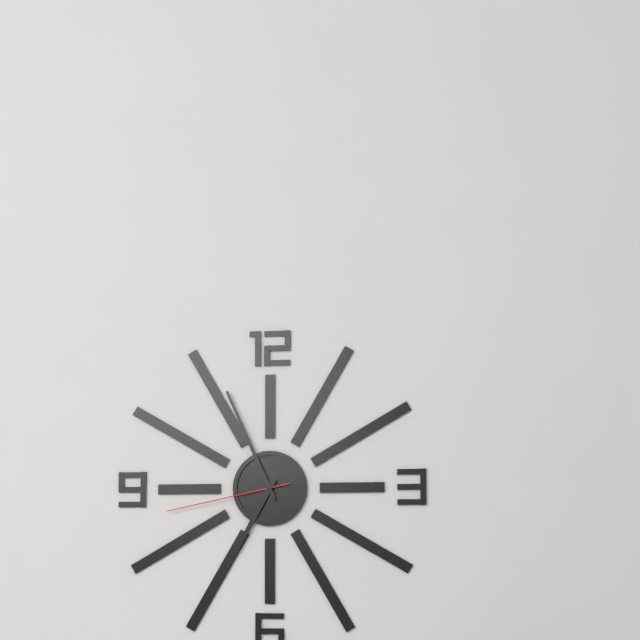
6:56:43
